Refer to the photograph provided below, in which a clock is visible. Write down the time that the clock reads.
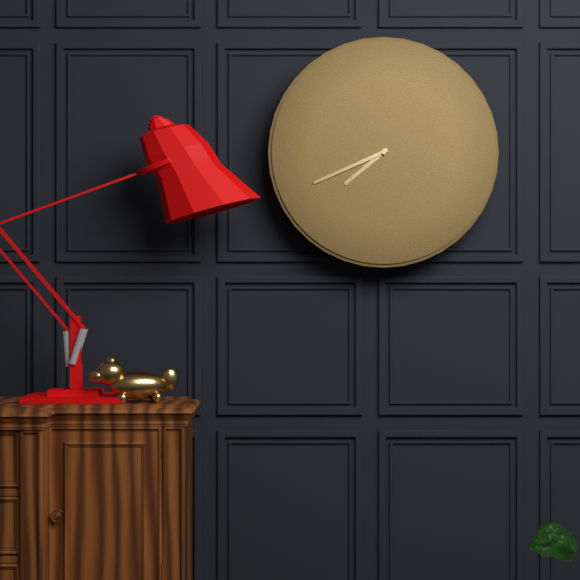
7:41
